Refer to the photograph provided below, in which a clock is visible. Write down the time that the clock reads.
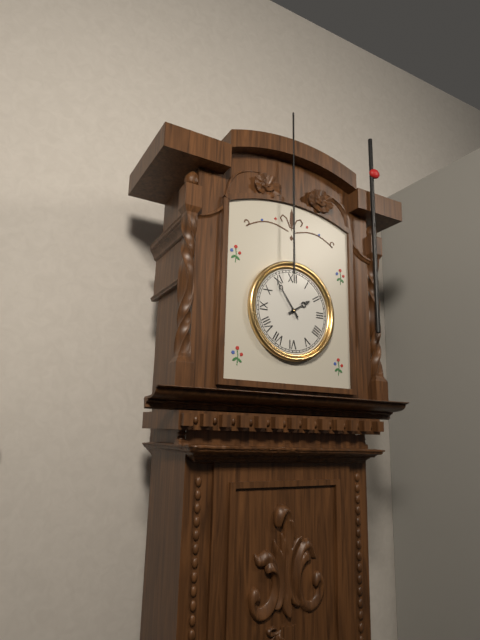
1:54
